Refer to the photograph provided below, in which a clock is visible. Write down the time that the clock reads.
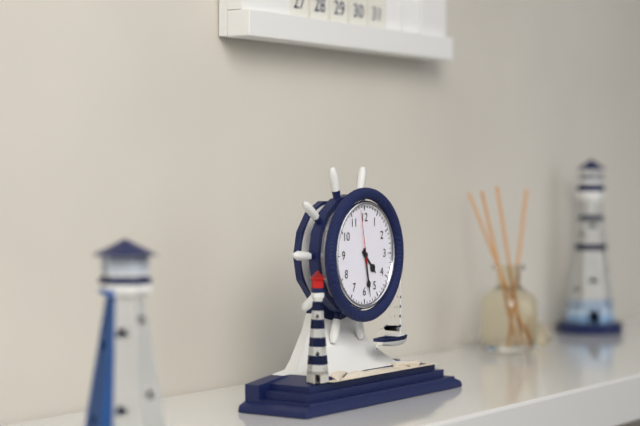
4:28:58
